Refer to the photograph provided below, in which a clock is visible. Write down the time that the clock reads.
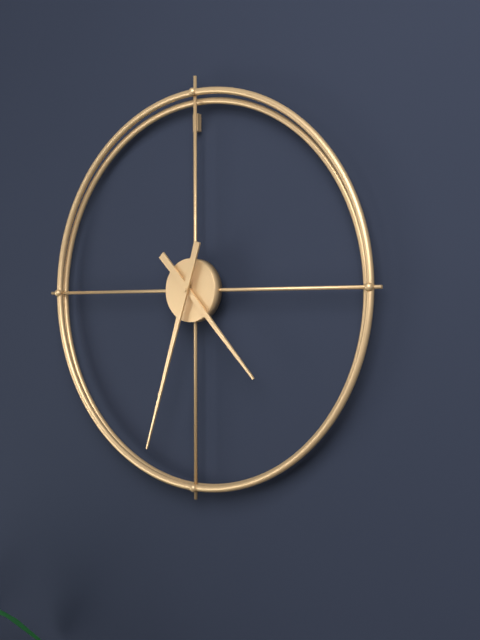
4:33
